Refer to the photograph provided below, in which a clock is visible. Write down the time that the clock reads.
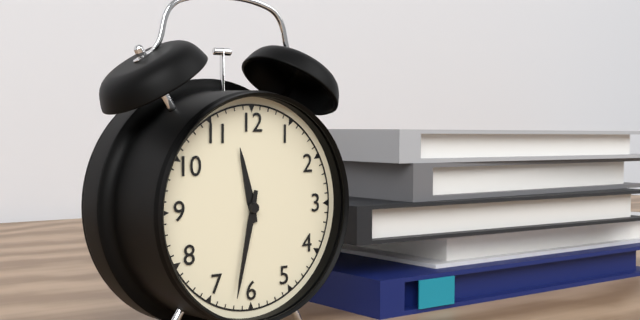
11:32
